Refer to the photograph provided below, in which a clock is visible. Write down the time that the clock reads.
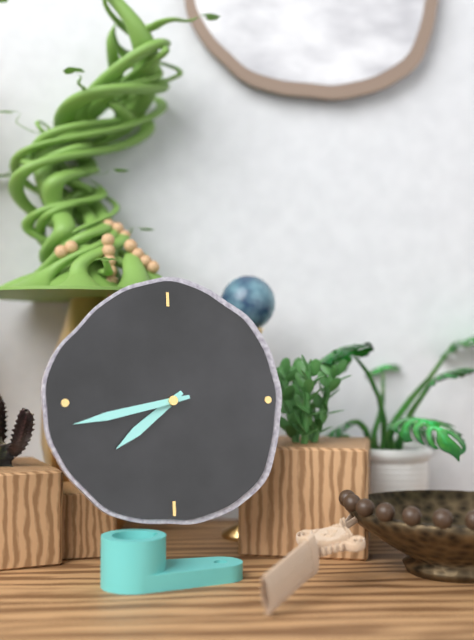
7:43
